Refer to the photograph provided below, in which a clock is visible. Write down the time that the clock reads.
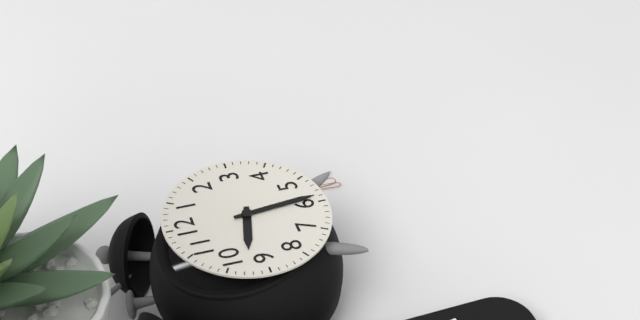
9:29
